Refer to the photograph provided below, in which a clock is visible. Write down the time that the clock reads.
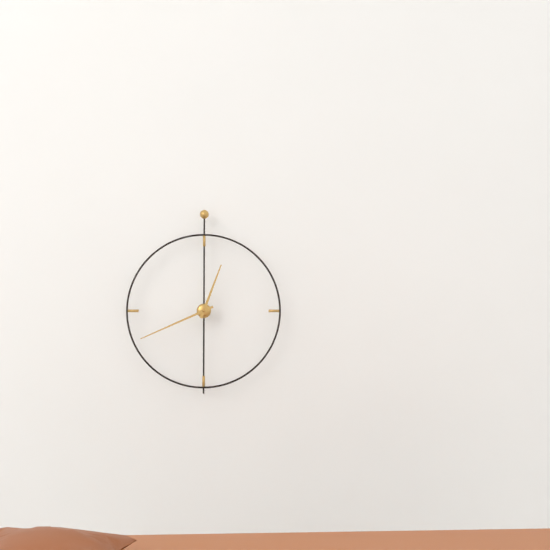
12:41
